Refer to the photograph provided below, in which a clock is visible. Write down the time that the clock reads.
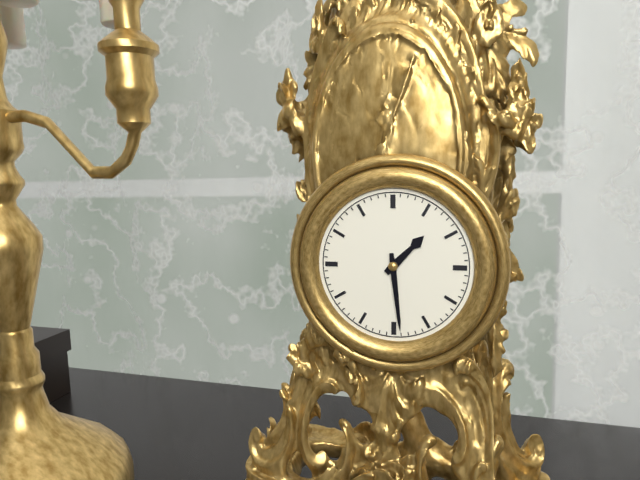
1:29
